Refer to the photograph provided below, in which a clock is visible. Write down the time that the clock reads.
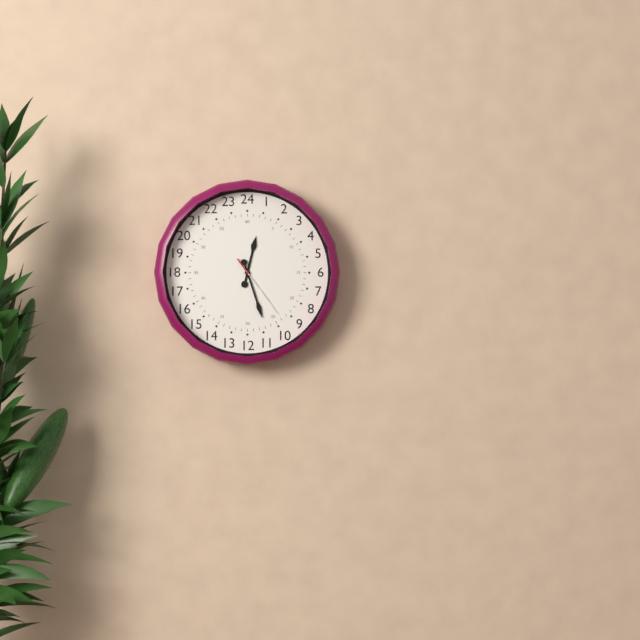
12:27:24
